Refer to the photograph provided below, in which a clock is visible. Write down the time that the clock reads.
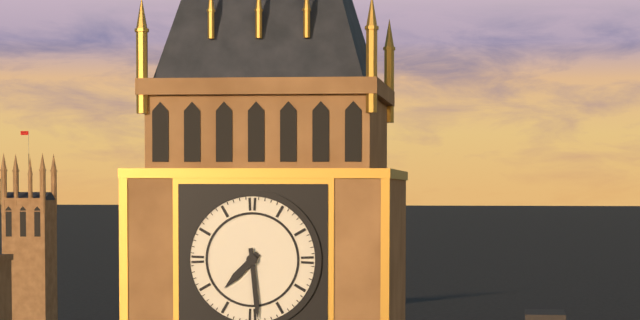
7:29
